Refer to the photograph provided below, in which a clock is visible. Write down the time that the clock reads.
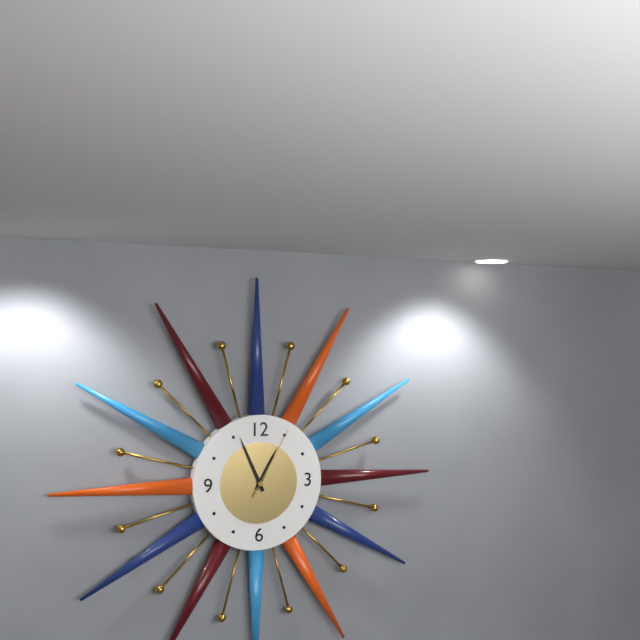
12:56:05
